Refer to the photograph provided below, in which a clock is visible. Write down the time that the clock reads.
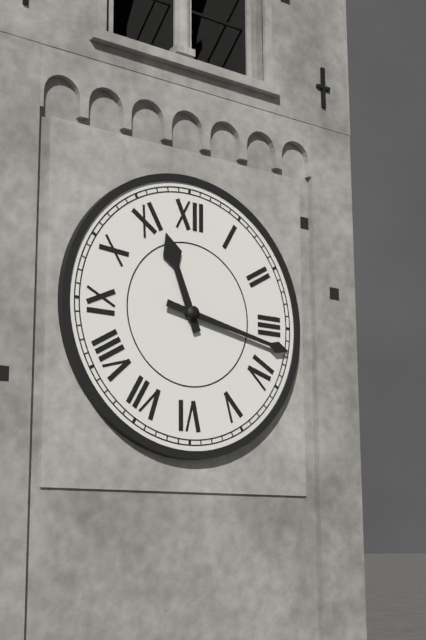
11:17
